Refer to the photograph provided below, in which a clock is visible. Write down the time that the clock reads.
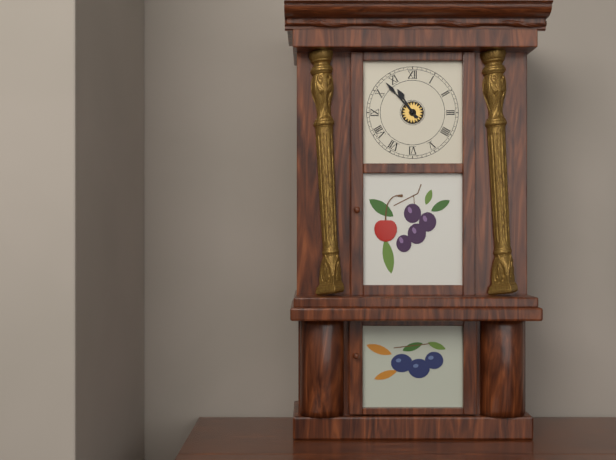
10:53
